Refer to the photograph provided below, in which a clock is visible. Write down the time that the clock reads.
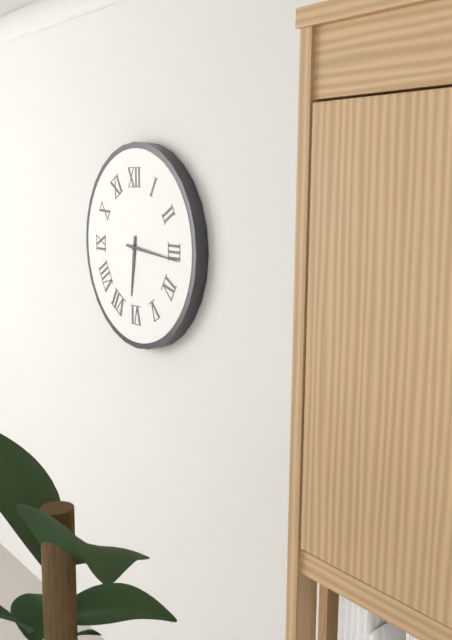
6:16
